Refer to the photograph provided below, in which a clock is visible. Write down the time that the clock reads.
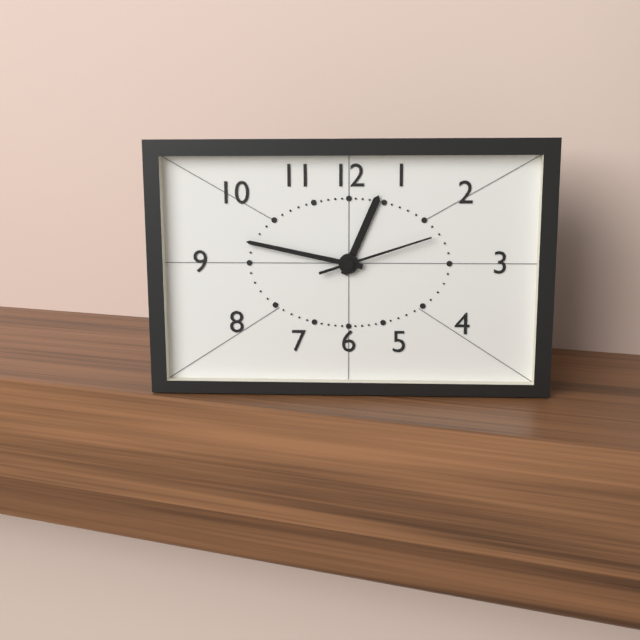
12:47:12
